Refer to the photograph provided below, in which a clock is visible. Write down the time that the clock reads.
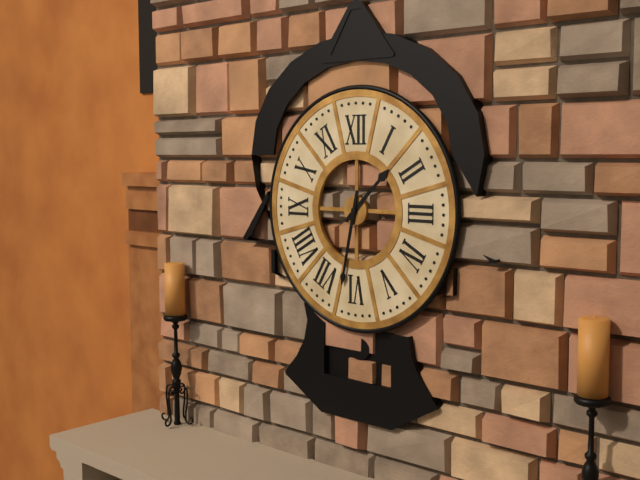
1:32
